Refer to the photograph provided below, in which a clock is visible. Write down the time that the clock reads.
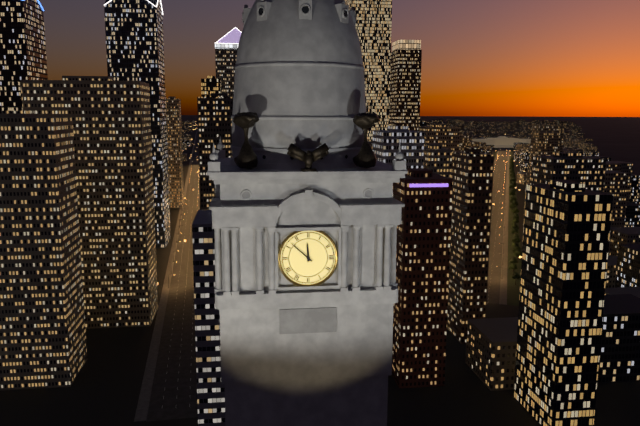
11:52
